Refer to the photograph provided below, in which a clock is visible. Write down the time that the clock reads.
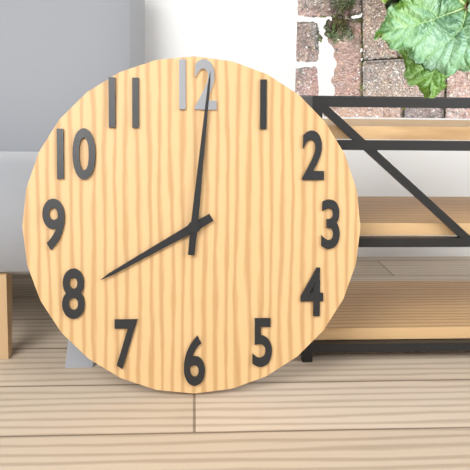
8:01
